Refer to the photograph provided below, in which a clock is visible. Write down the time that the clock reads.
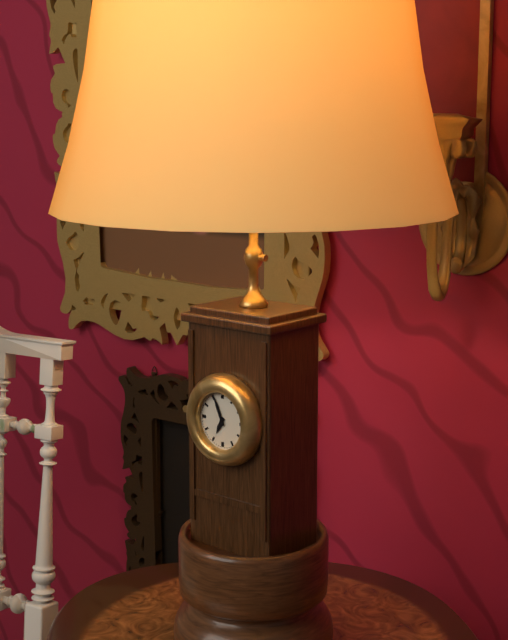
6:56
